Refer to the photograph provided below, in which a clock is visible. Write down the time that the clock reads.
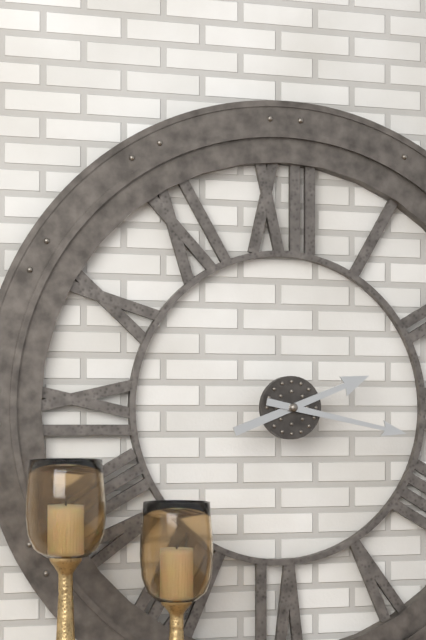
2:17
